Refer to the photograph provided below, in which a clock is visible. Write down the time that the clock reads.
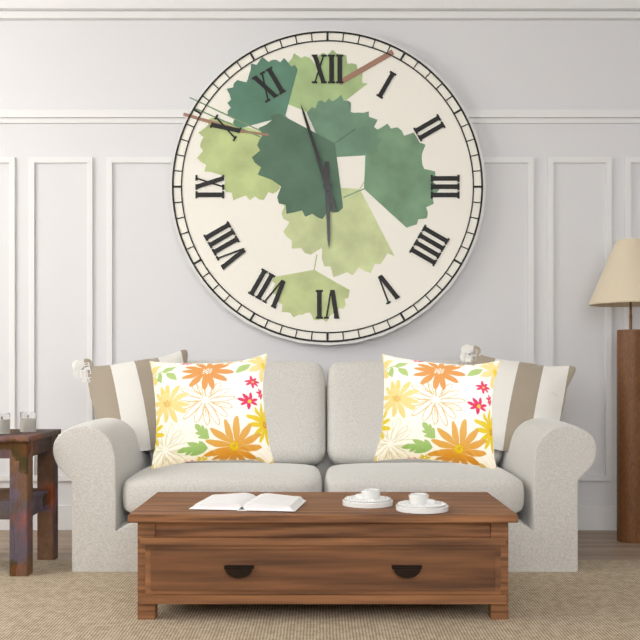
5:57
